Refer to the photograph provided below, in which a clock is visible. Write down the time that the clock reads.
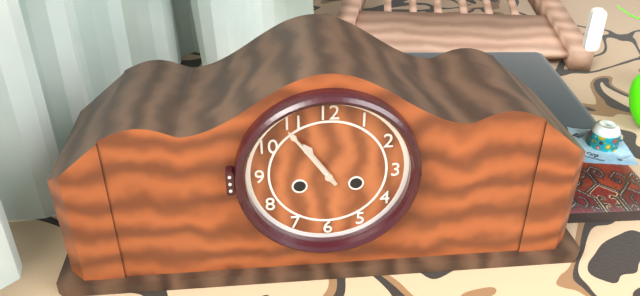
10:54
